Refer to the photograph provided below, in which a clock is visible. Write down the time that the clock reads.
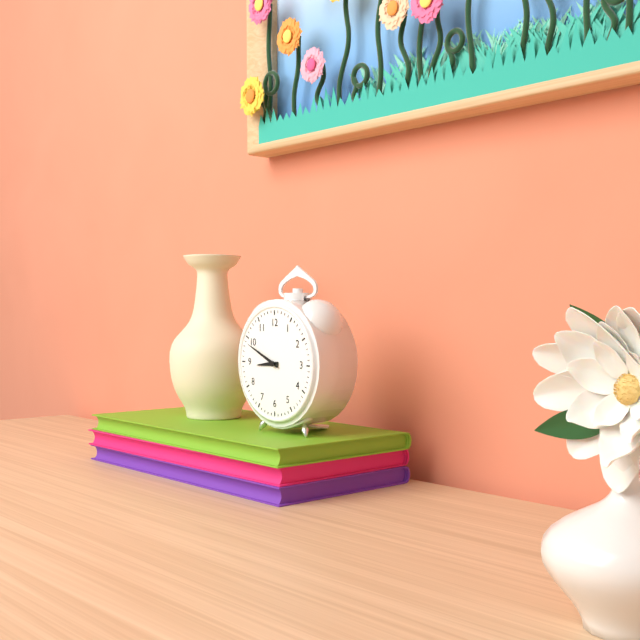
8:49
